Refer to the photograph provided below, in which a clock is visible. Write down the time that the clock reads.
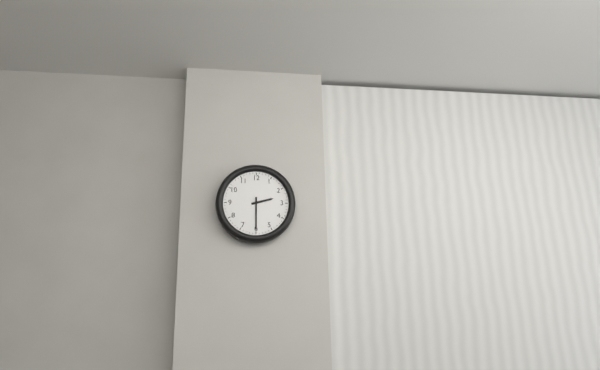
2:30
